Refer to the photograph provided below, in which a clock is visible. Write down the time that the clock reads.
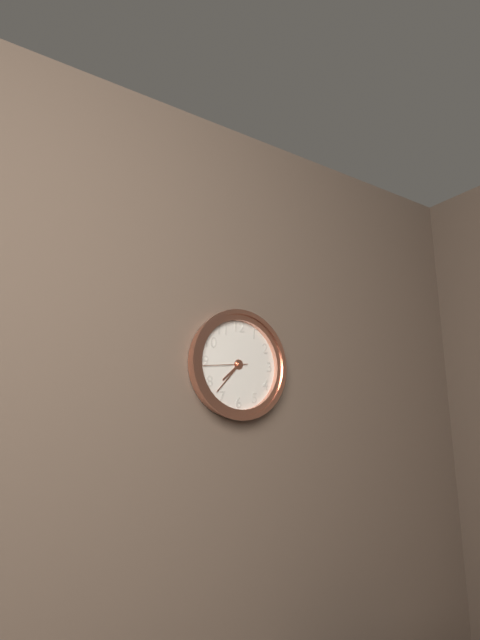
7:37
